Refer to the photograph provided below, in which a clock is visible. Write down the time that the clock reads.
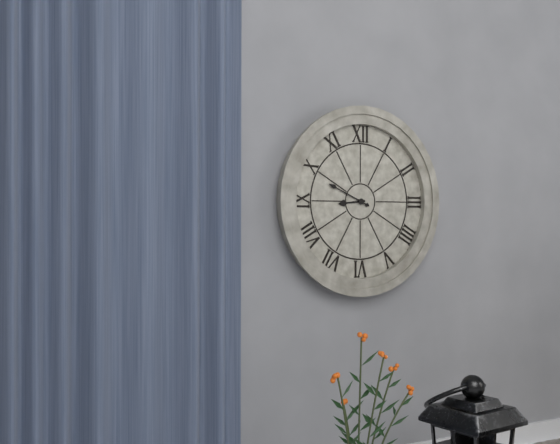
8:49
